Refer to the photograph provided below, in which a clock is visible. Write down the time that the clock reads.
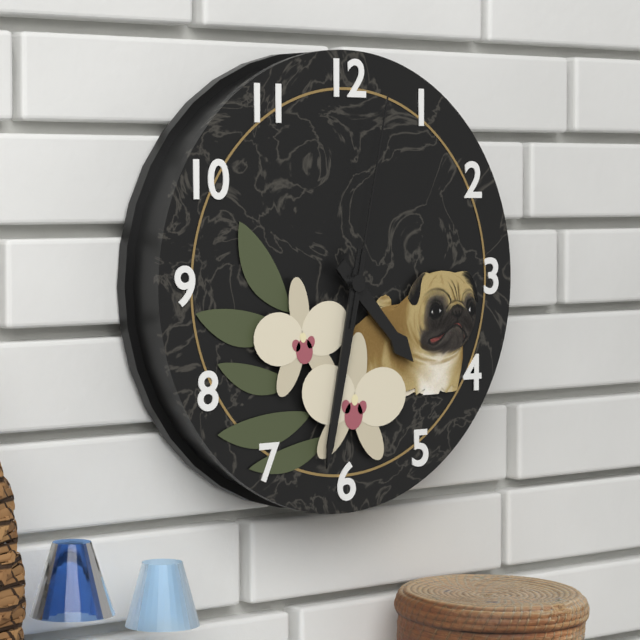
4:32:02
